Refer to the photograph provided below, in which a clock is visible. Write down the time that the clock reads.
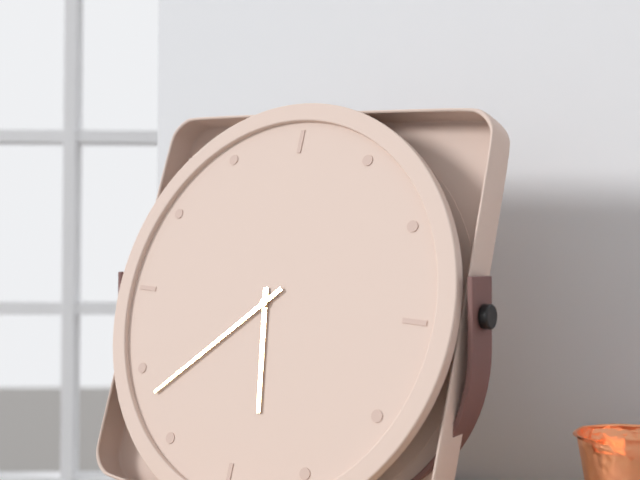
5:38
